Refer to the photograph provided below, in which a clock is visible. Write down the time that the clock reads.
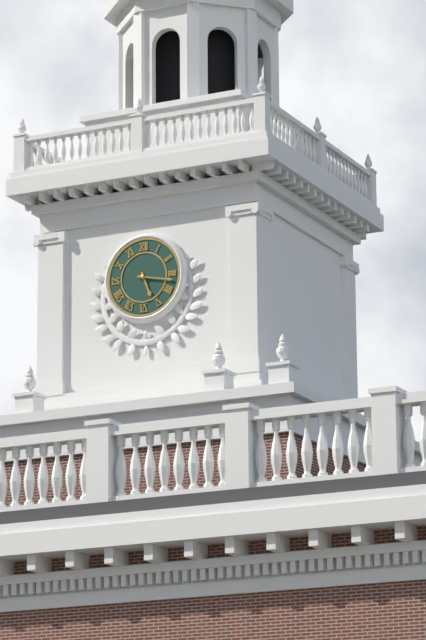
5:17
